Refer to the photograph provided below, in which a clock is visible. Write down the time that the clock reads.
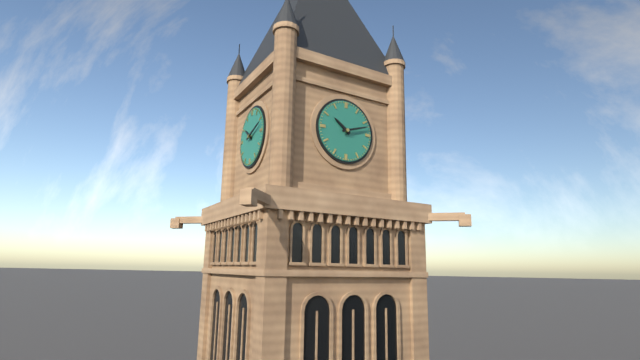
10:12
